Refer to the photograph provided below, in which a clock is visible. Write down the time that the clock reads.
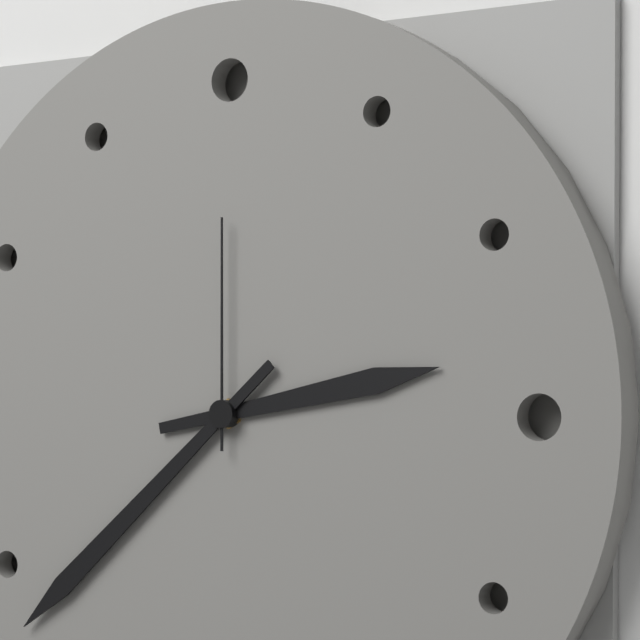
2:38:00
